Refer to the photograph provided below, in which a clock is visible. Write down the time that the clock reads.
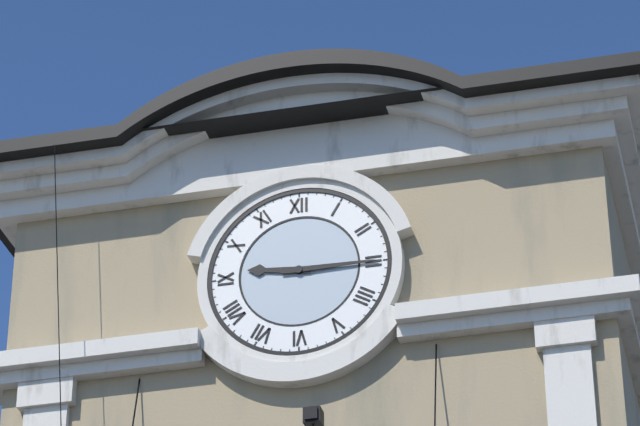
9:15
